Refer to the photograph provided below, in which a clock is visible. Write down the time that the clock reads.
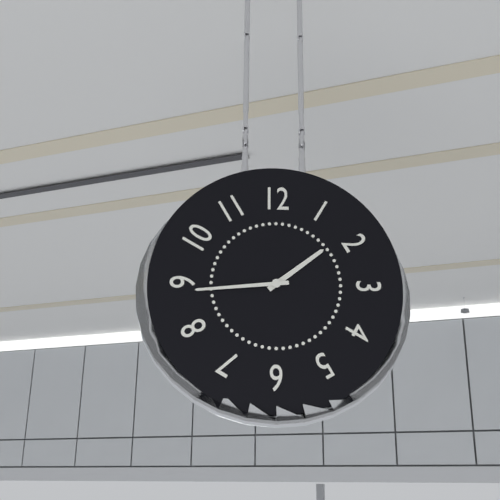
1:44
